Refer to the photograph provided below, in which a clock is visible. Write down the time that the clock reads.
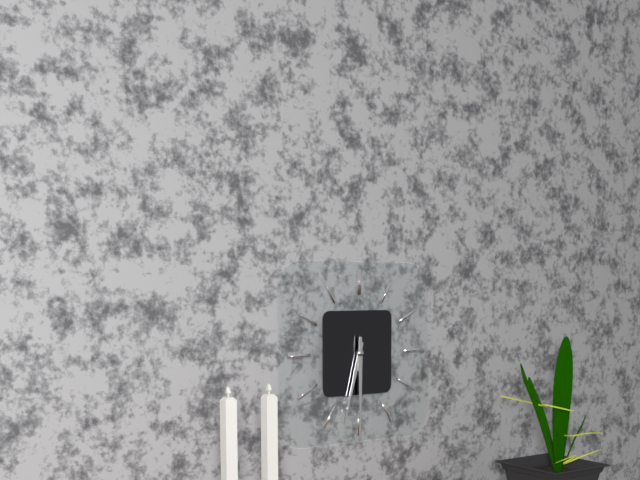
6:30
